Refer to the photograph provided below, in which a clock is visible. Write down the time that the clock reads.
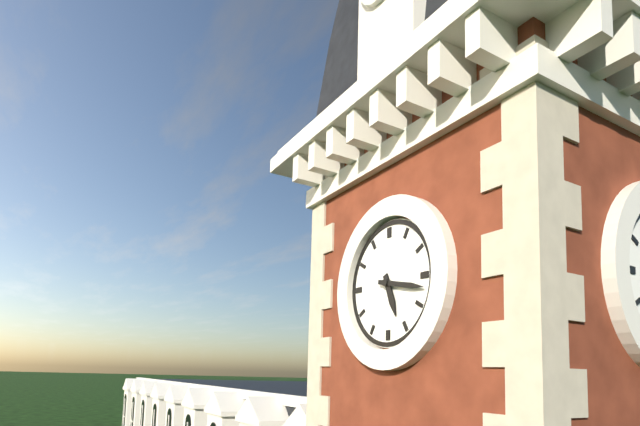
5:17
